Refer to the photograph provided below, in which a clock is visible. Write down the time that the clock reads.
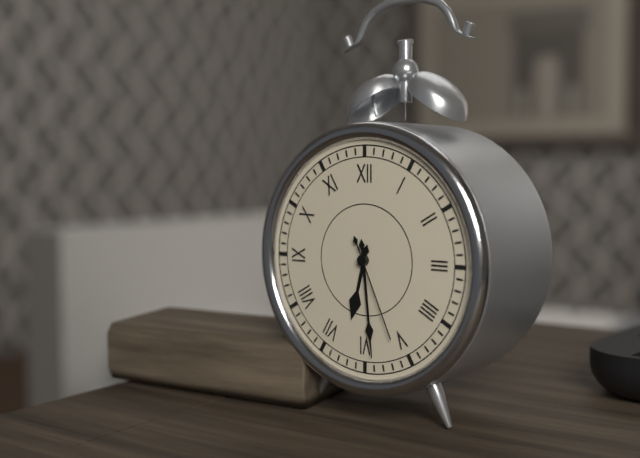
6:29:26
